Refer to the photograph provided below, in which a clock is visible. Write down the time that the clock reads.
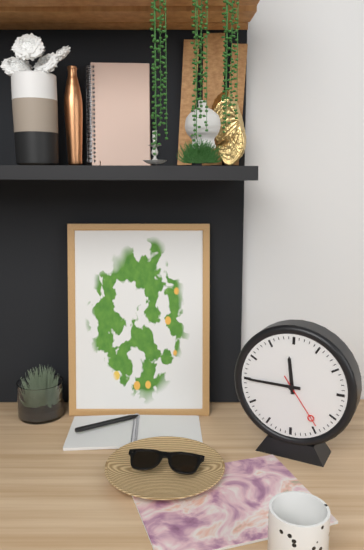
11:45:24
